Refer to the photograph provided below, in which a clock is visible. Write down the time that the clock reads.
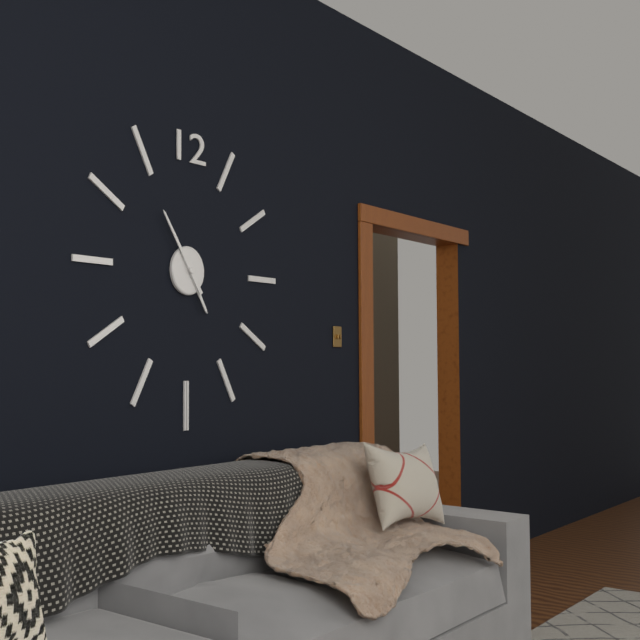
4:54
